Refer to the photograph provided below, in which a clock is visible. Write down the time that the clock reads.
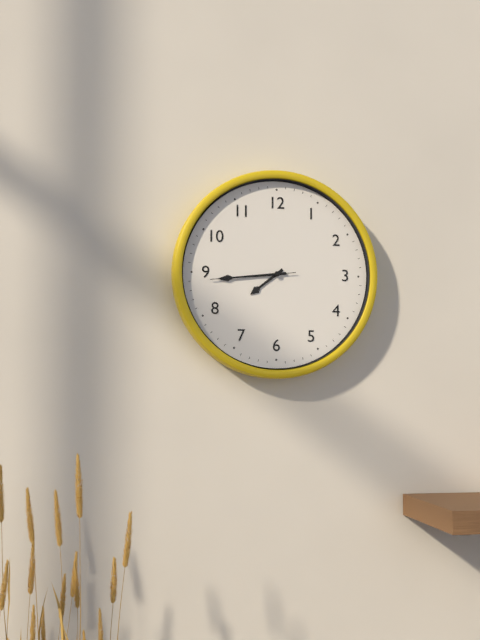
7:44:44
